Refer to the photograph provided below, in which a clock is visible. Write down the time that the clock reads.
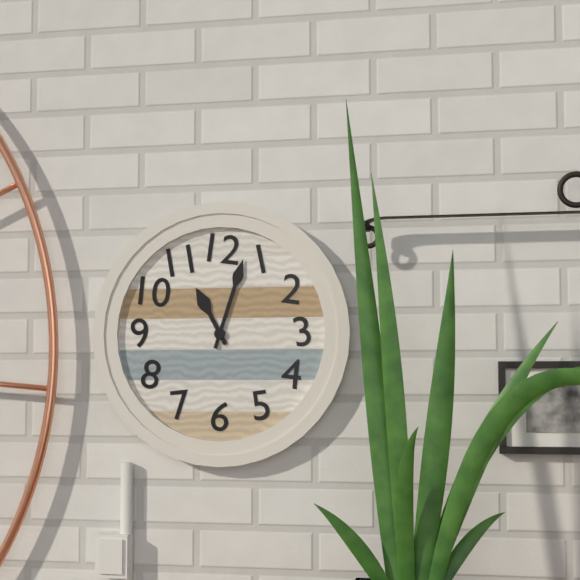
11:03
